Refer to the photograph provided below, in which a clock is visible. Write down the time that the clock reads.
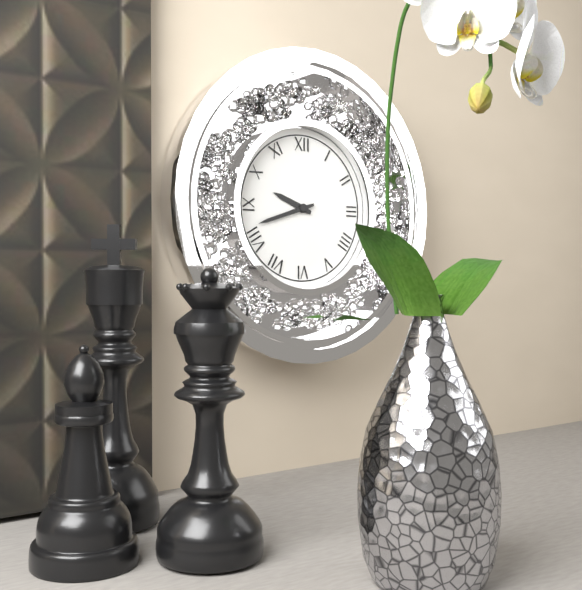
9:42
